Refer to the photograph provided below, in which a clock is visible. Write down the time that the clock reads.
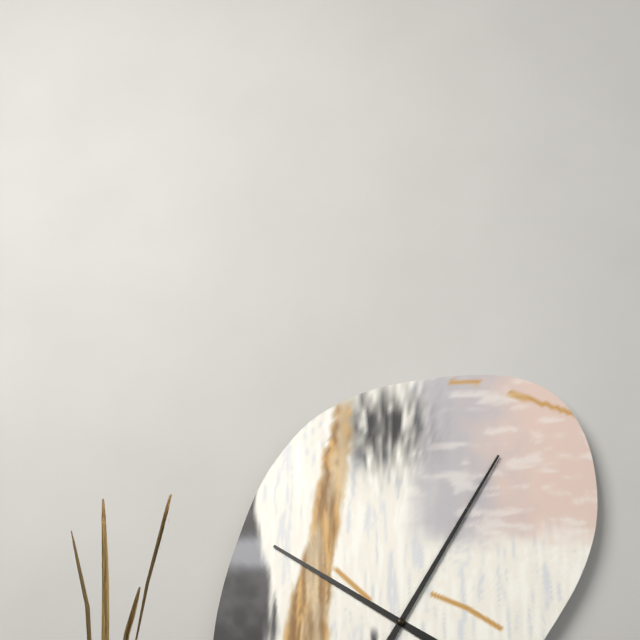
10:05
